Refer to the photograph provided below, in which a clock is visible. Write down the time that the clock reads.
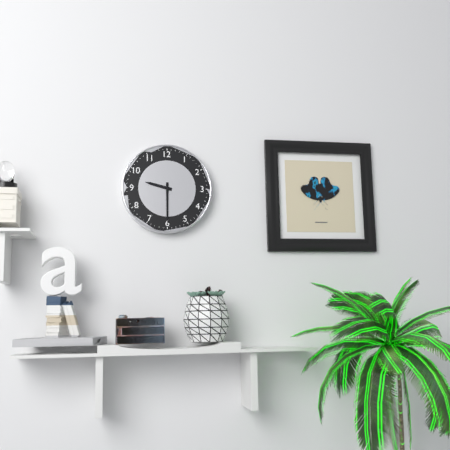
9:30
